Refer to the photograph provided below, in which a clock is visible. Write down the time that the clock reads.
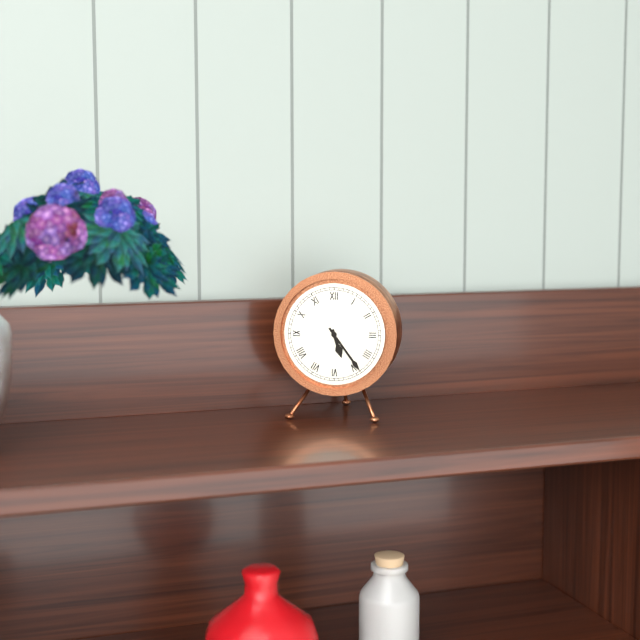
5:24
